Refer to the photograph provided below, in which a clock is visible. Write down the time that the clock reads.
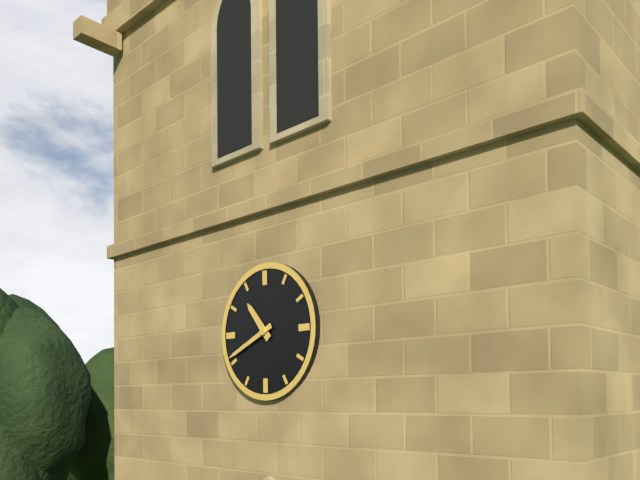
10:41
